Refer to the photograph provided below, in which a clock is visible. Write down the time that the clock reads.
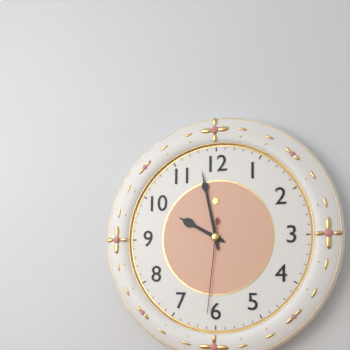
9:58:31
